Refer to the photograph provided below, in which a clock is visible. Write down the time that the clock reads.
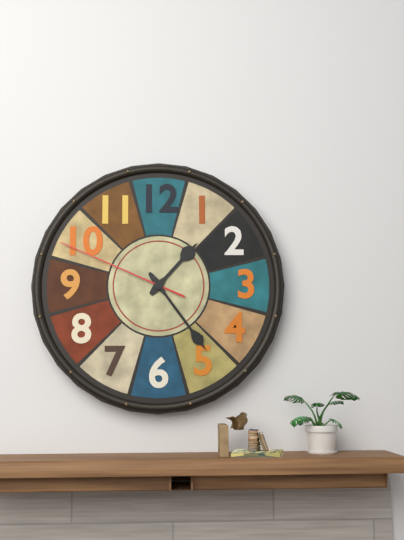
1:24:49
